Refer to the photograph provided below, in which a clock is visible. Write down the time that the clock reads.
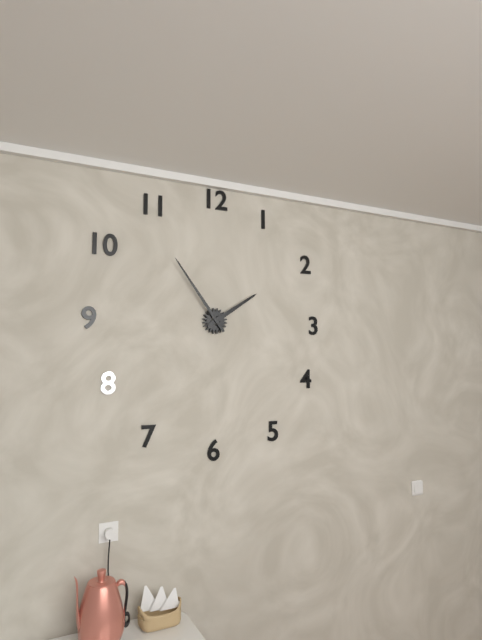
1:54
